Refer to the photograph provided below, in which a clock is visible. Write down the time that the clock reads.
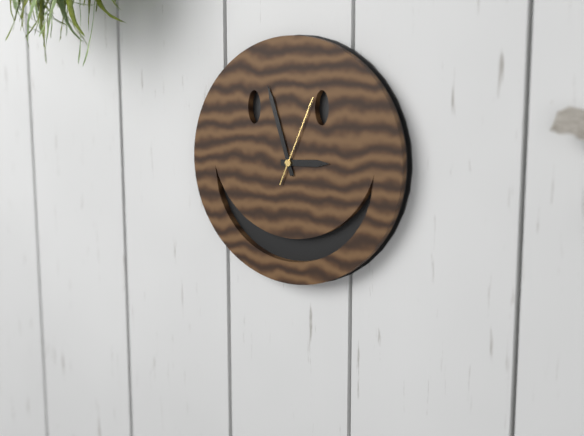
2:57:04
